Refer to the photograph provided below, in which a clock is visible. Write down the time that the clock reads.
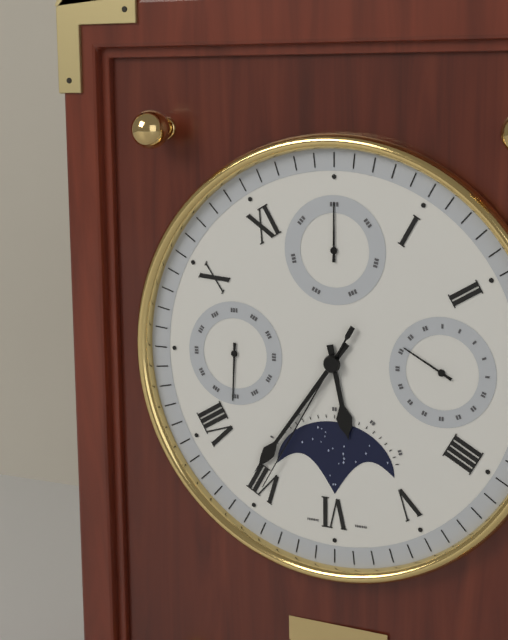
5:36:35
